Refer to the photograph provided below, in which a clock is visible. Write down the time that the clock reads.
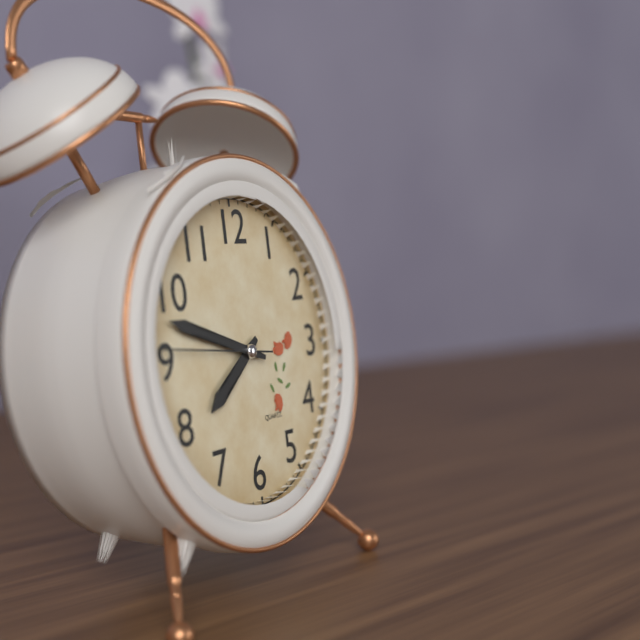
7:48:46
